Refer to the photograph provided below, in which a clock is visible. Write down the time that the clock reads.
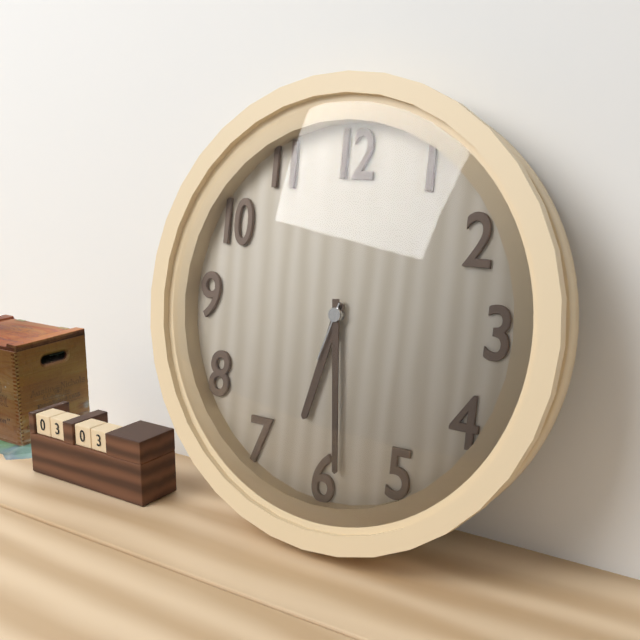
6:29:33
